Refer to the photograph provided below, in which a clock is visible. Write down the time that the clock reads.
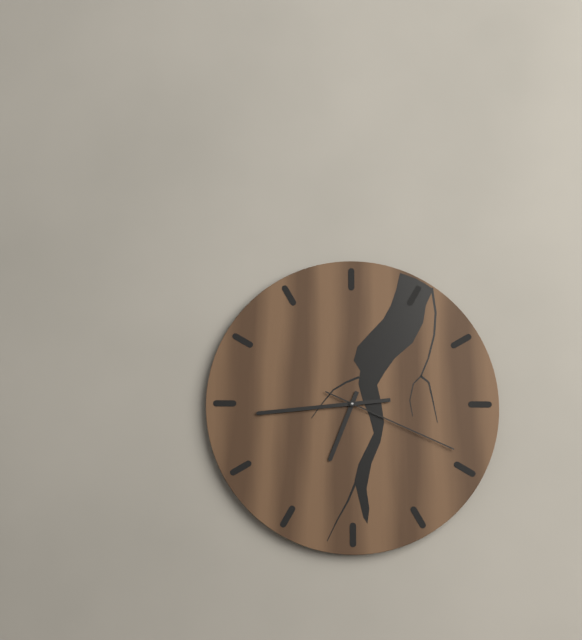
6:44:19
